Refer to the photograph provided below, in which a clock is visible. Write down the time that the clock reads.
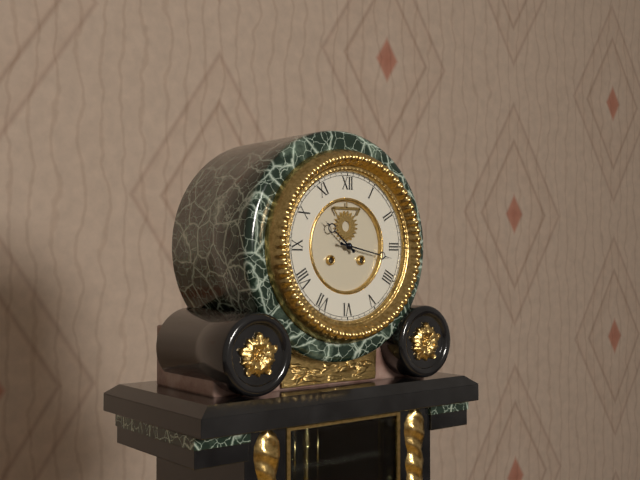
10:17
